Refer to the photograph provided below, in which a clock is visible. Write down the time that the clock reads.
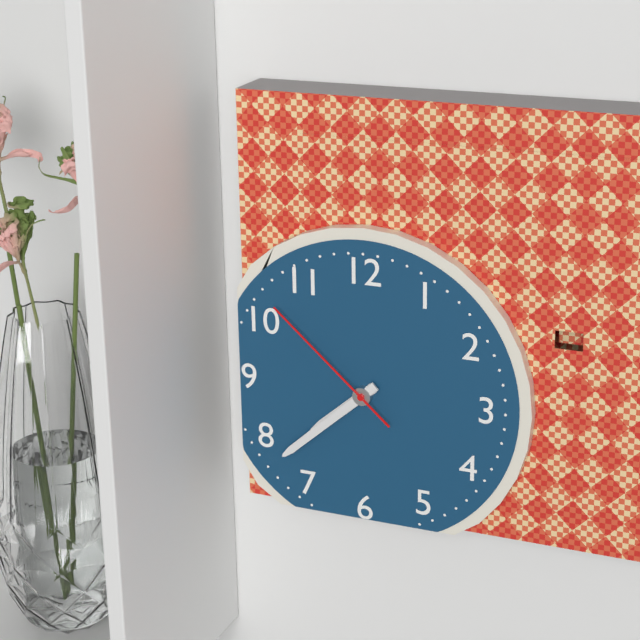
7:38:52
